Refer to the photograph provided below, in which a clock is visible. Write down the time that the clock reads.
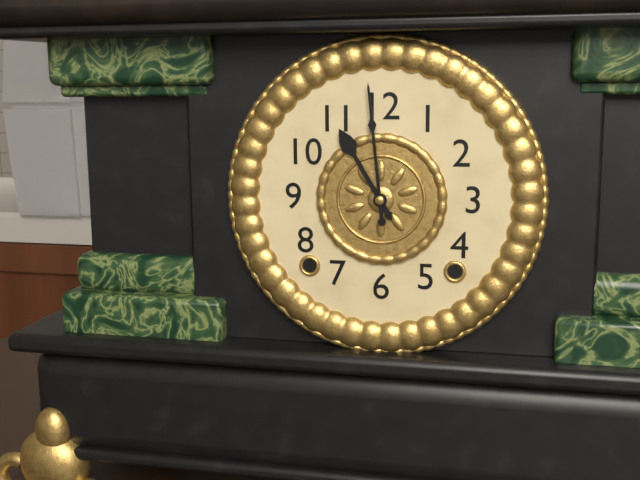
10:59
